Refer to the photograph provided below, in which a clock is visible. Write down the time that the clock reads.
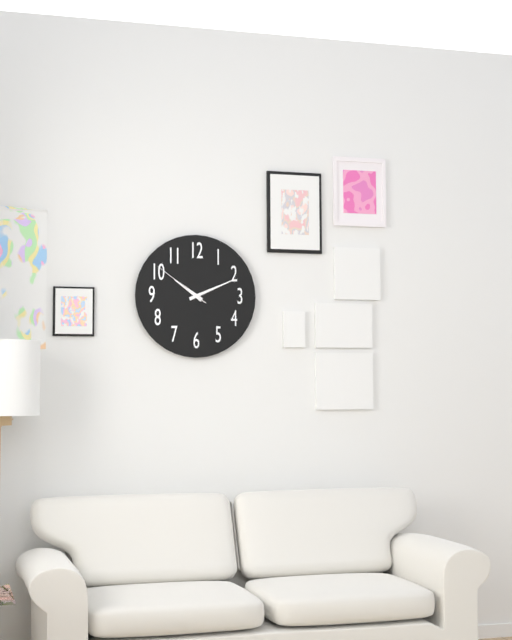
10:11:51
